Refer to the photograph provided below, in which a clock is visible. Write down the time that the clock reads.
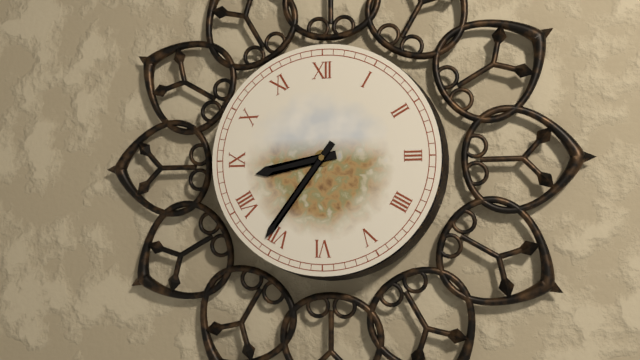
8:36
